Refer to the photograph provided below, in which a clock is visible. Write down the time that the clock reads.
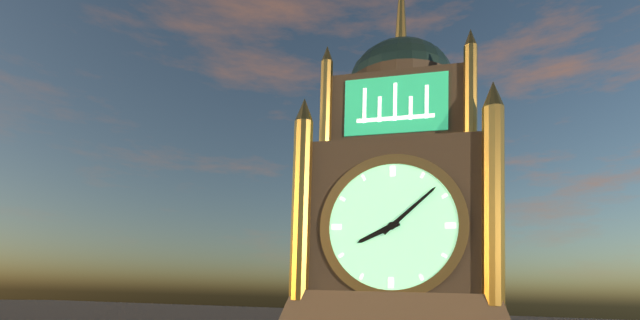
8:08
